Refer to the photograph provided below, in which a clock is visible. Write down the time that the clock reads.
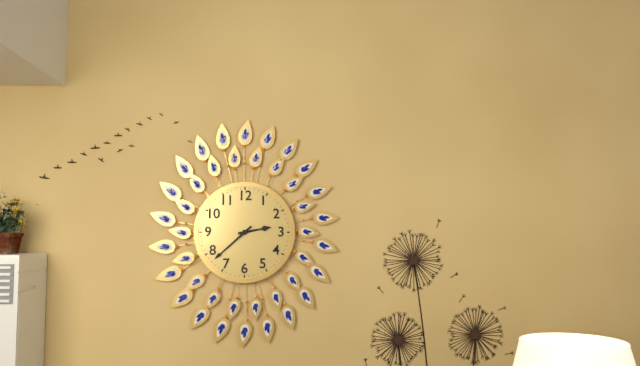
2:38
